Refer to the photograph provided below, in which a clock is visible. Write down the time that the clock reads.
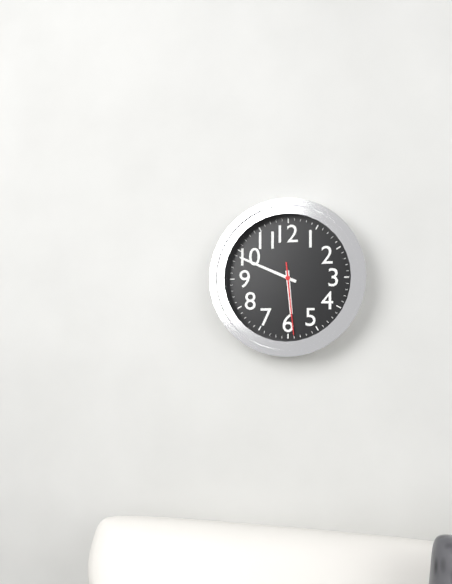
5:49:29
